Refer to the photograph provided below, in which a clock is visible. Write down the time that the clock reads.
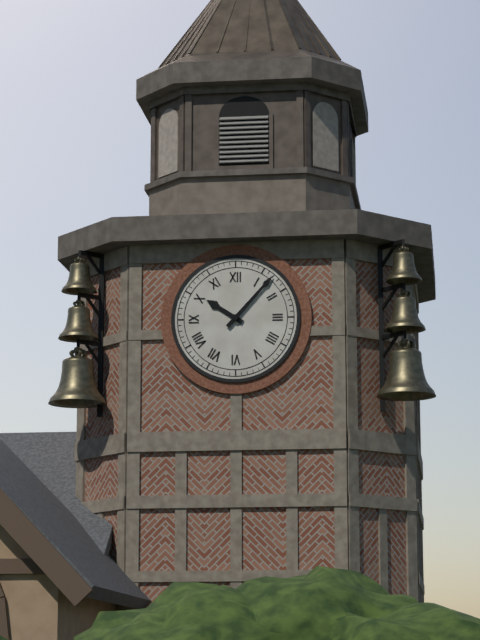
10:07
